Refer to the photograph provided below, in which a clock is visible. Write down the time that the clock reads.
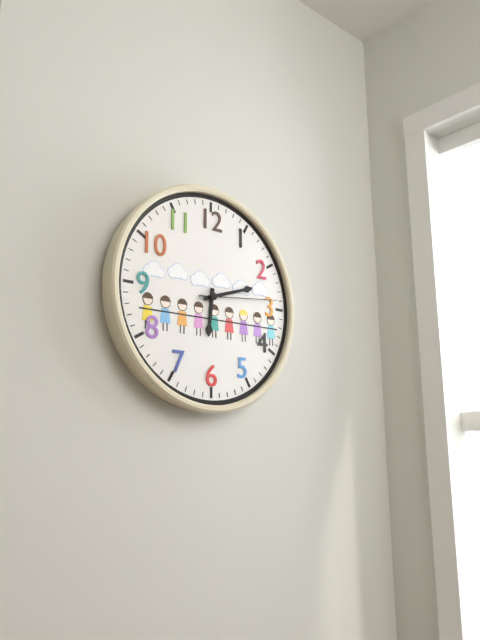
6:12:14
